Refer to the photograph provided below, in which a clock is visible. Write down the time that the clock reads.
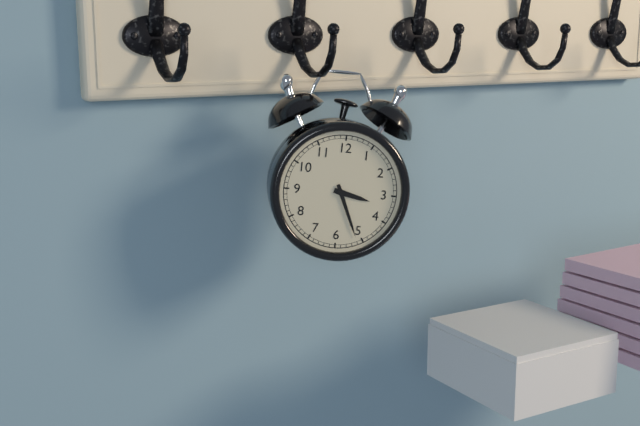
3:26
